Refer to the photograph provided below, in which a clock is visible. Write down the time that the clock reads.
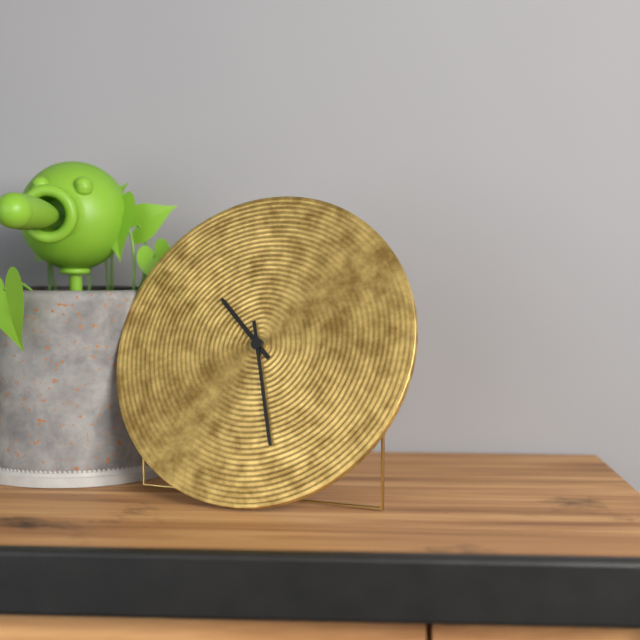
10:27
